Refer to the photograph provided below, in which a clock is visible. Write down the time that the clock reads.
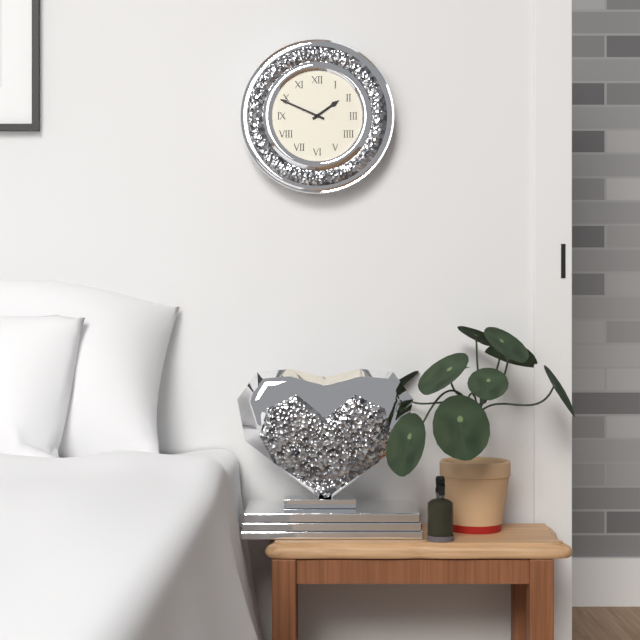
1:49
